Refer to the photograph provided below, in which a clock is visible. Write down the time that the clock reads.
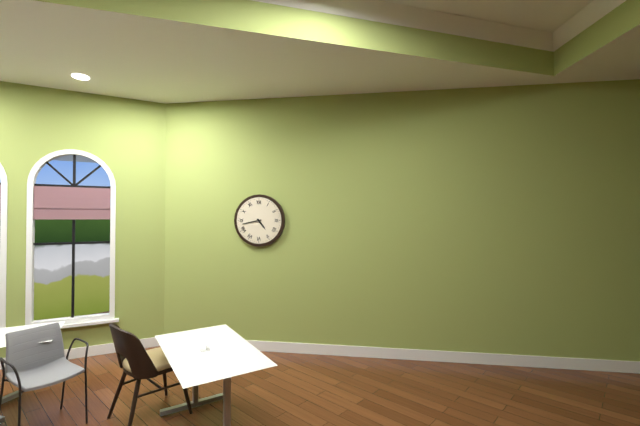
4:43
